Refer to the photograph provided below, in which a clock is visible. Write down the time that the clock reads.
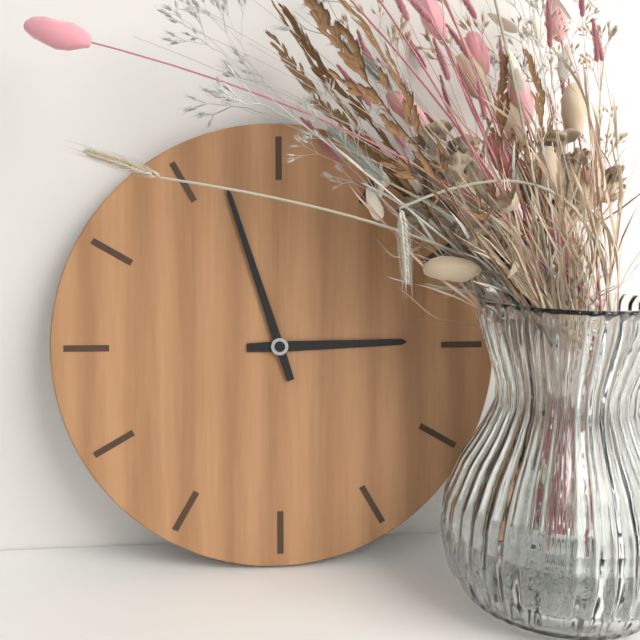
2:57
